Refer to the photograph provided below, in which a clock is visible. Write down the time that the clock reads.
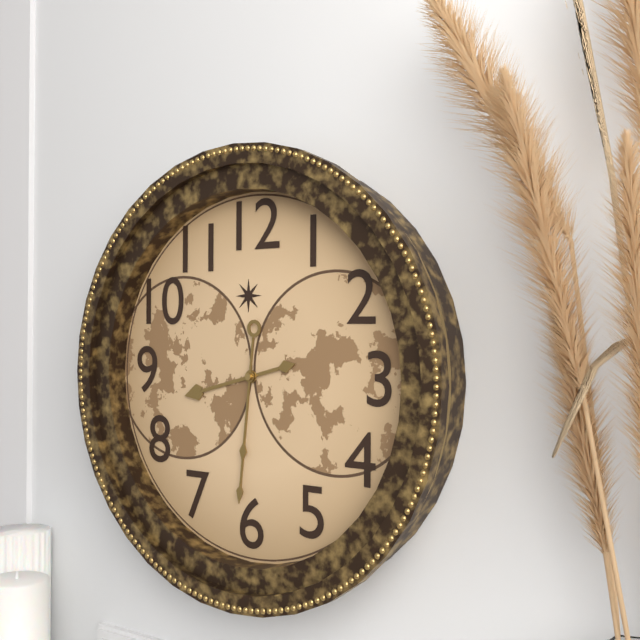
8:31
